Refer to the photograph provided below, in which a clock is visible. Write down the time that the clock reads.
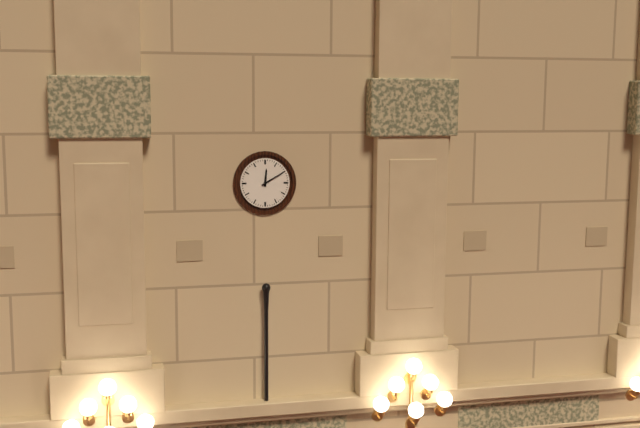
12:10
